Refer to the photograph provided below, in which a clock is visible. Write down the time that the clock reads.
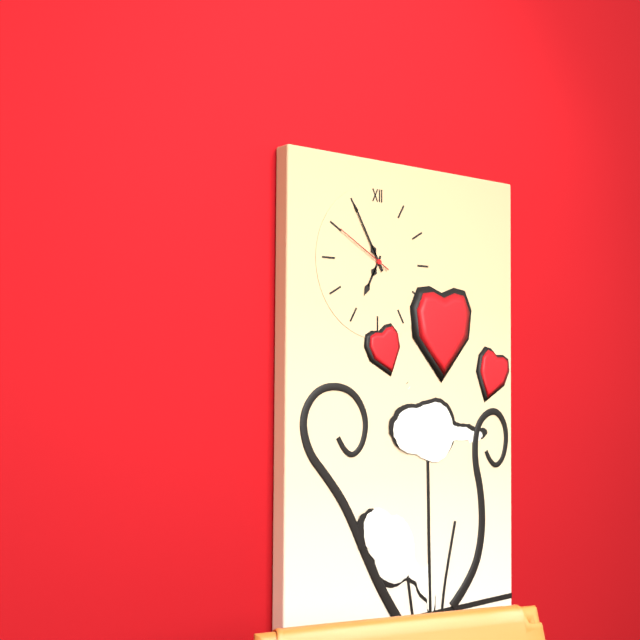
6:55:50
